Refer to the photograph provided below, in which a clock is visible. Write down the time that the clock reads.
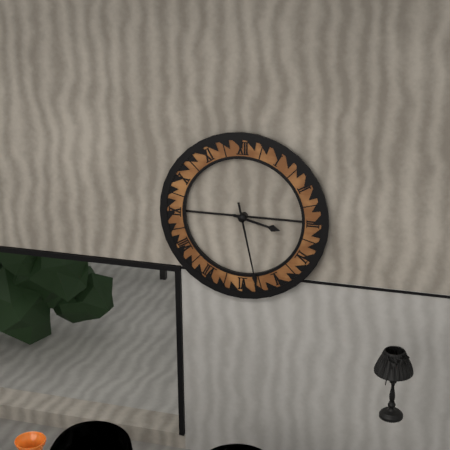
3:28
